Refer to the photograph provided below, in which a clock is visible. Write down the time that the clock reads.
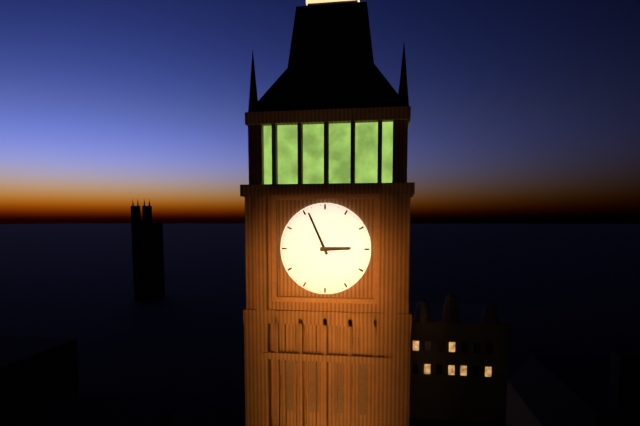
2:56
